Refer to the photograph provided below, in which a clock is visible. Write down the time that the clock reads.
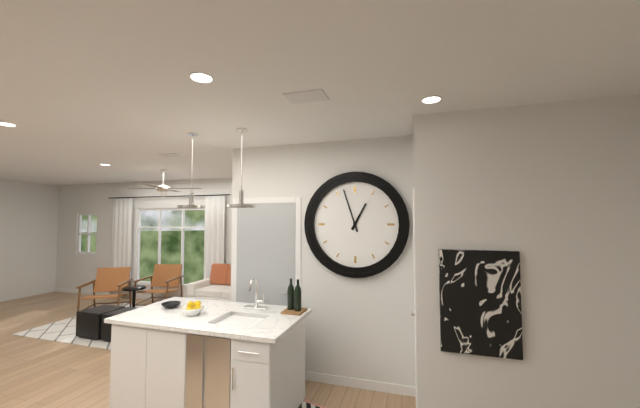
12:57
